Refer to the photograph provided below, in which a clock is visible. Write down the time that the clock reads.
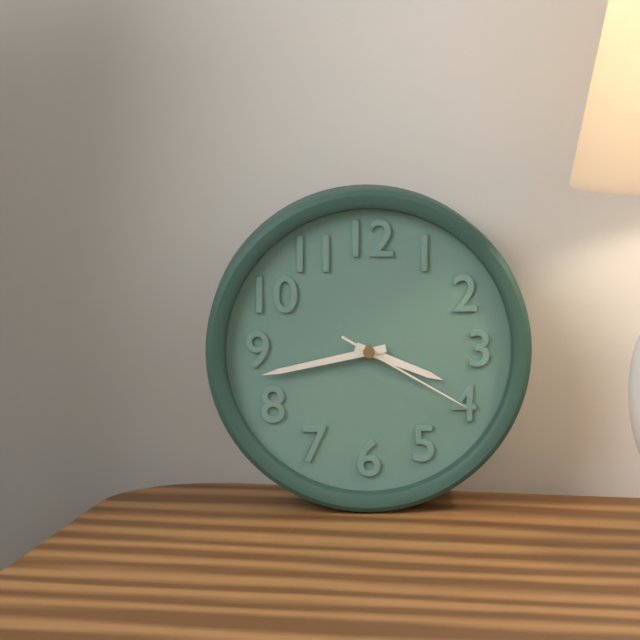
3:43:20
